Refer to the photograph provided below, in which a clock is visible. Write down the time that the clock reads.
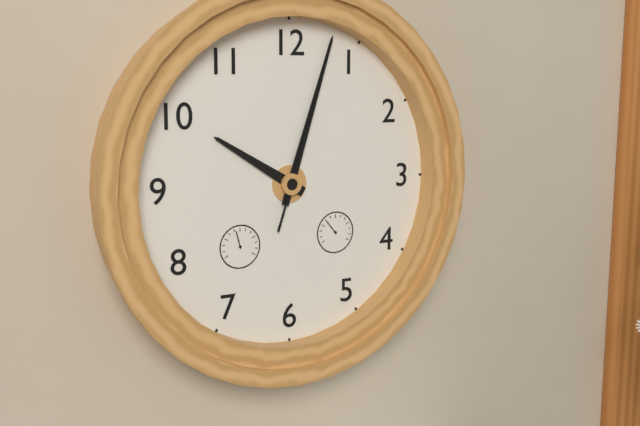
10:03:03
